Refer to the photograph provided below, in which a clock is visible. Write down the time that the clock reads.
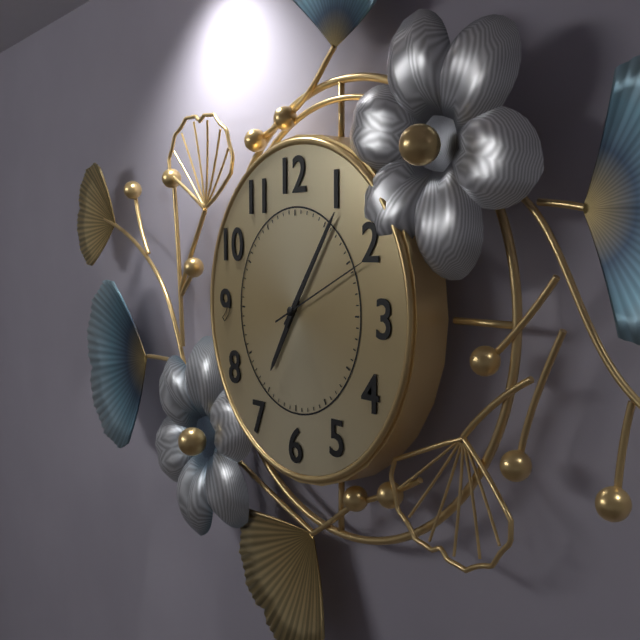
7:06:11
